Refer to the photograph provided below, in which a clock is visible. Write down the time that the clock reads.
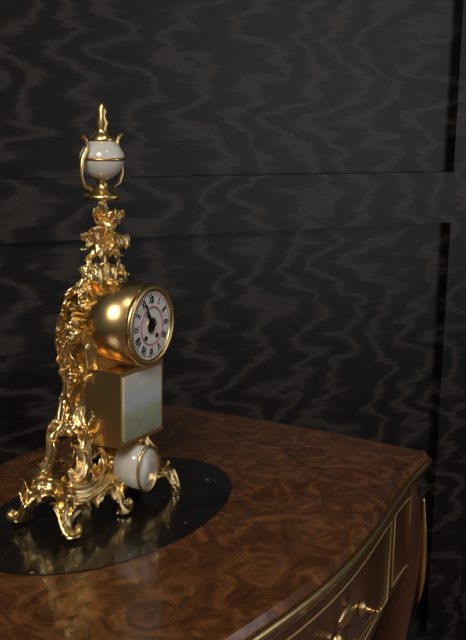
10:55
